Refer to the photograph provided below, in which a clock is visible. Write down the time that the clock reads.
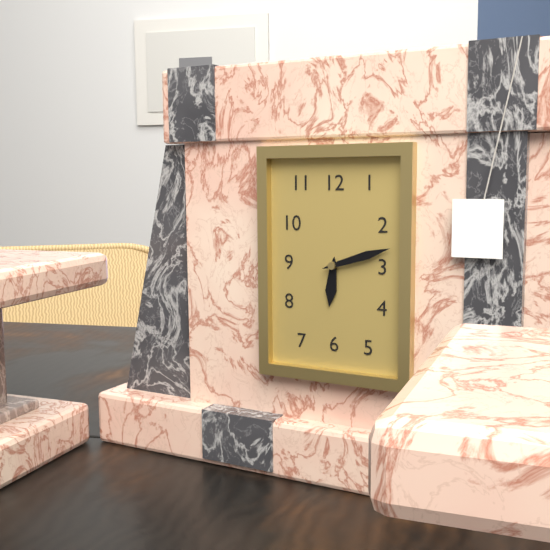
6:12
